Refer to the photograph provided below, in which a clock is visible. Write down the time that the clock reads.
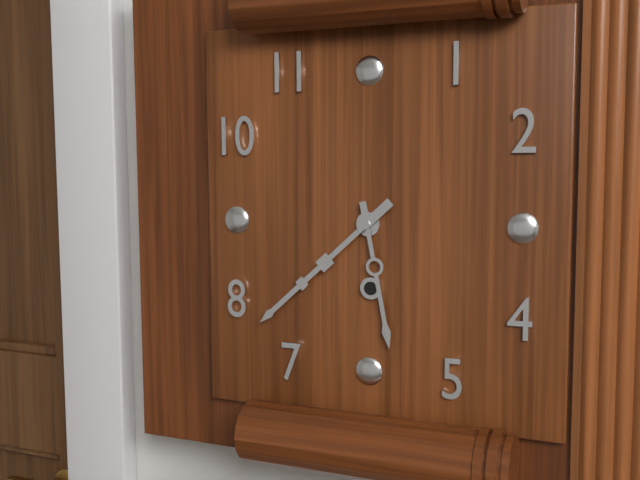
5:38
